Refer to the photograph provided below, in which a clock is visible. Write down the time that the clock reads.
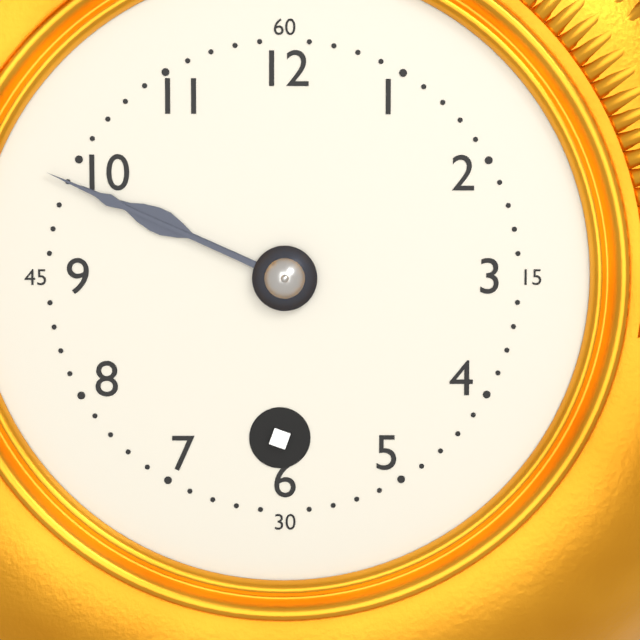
9:49
